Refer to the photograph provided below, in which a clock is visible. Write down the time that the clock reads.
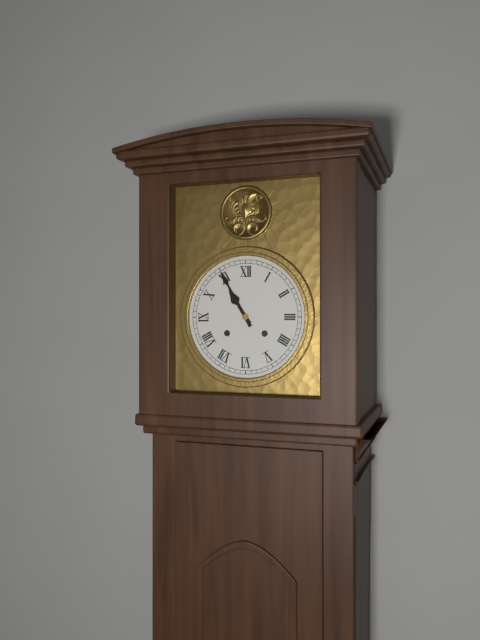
10:55
